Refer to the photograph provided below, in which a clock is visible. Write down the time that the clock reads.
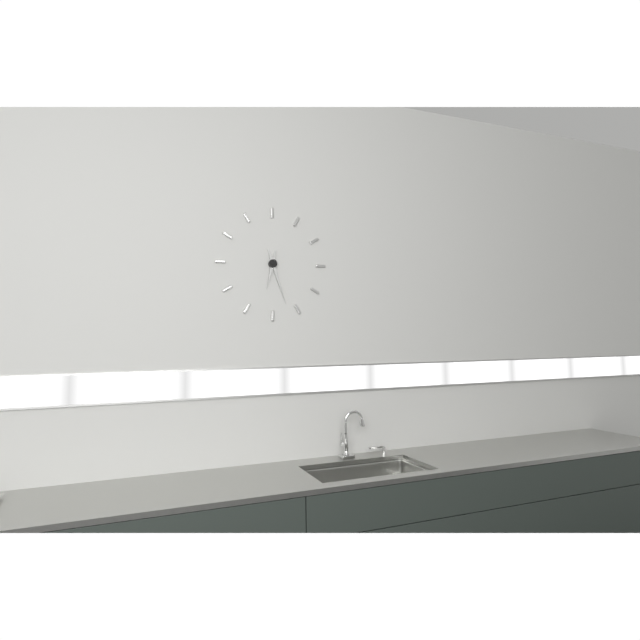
6:27
